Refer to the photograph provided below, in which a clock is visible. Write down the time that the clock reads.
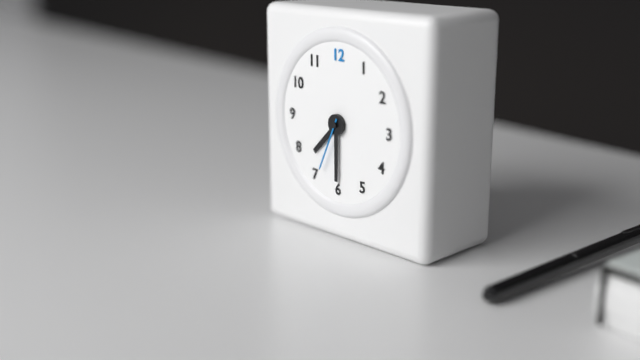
7:30:34
